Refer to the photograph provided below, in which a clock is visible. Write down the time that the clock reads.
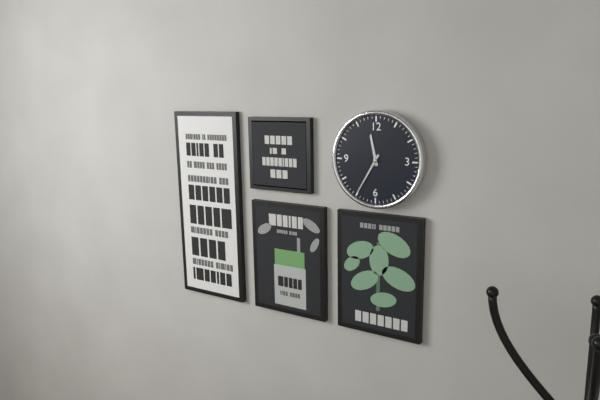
11:35
